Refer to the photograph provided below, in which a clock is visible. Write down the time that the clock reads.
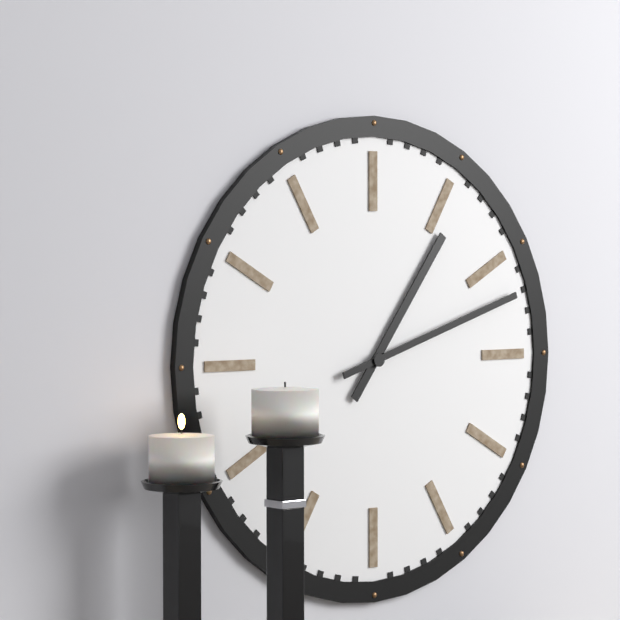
1:12
